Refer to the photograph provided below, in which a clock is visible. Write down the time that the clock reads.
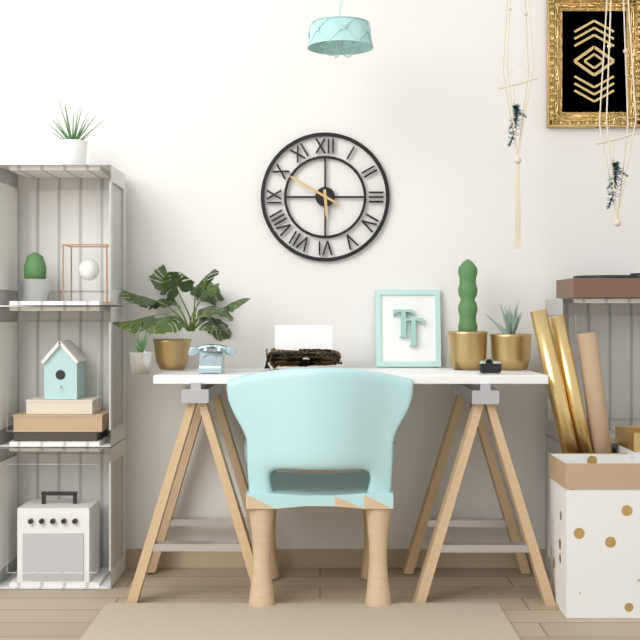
5:50
